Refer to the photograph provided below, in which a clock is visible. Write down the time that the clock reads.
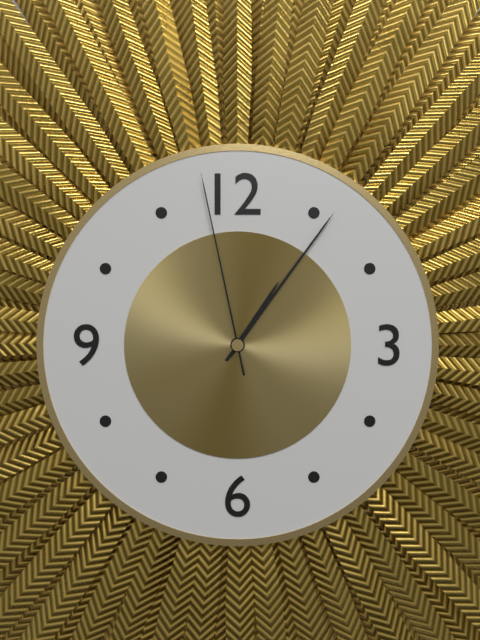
1:06:58
